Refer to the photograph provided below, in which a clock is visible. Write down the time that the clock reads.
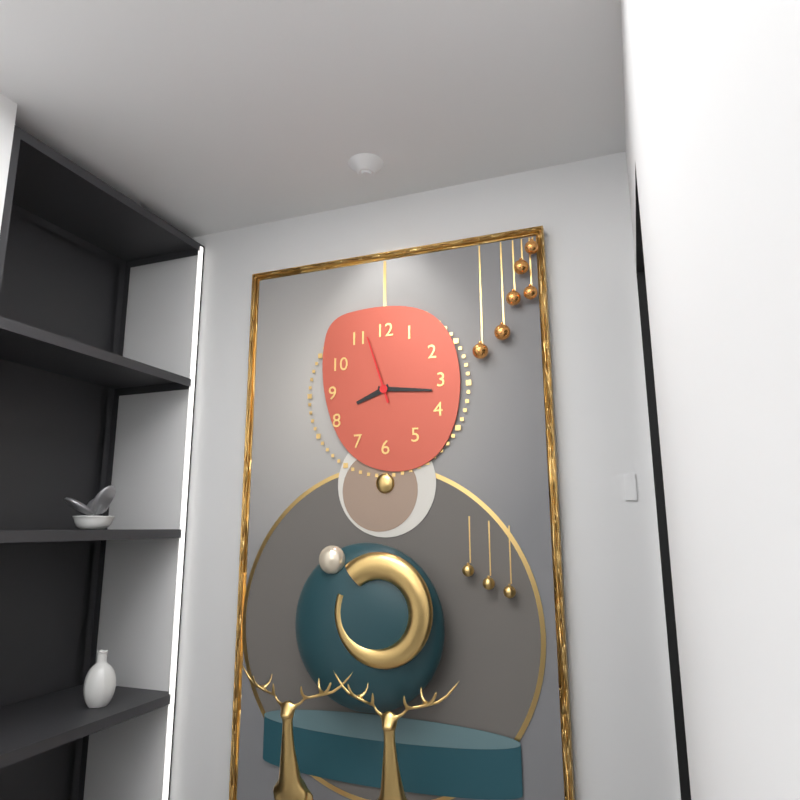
8:16:57
